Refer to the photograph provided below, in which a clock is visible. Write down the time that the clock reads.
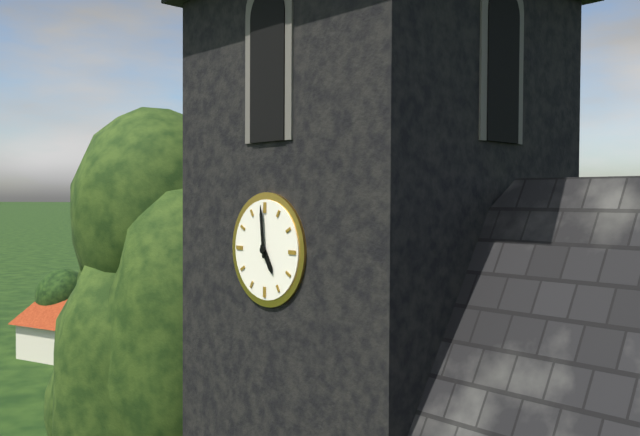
4:59
